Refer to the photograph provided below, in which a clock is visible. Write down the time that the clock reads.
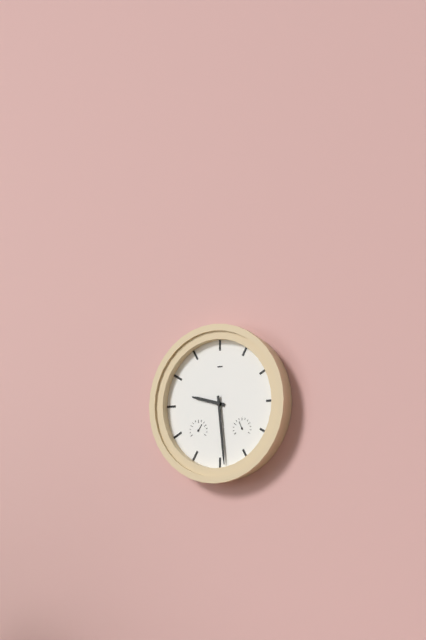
9:29
